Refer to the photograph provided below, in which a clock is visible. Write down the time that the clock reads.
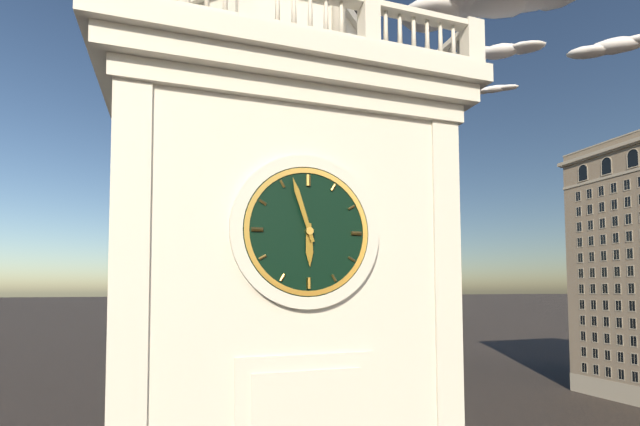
5:57
